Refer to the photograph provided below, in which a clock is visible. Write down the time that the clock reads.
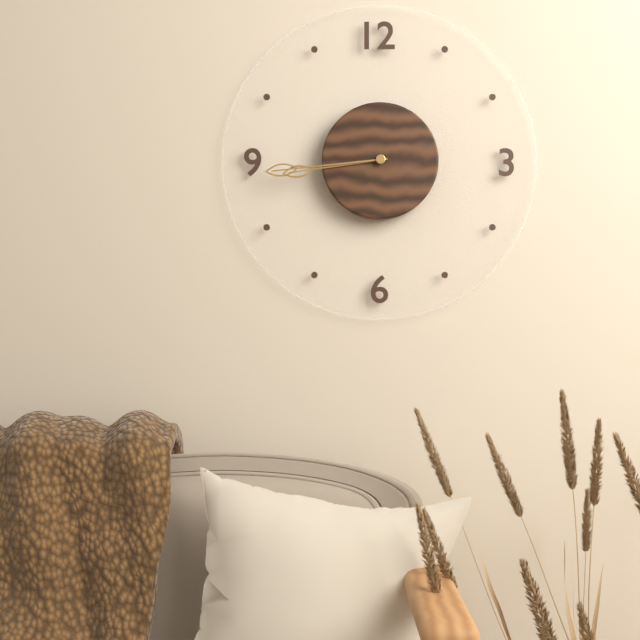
8:44
